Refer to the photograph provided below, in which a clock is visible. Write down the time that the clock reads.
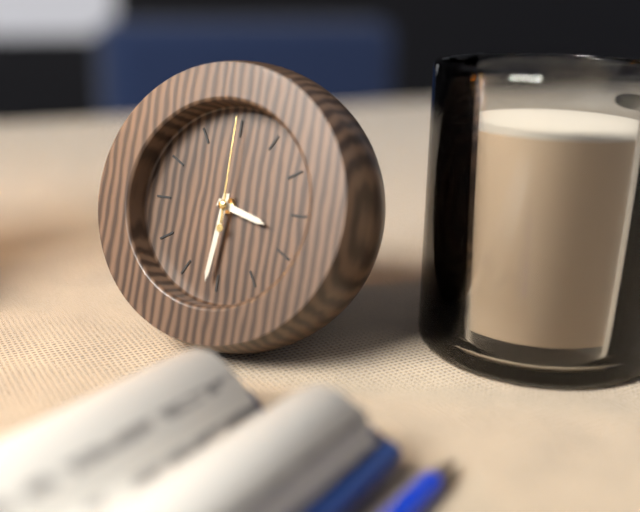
3:31:00
